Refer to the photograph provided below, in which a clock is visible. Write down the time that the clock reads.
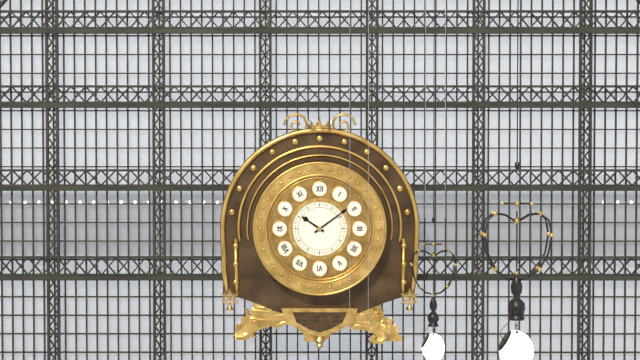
10:09
